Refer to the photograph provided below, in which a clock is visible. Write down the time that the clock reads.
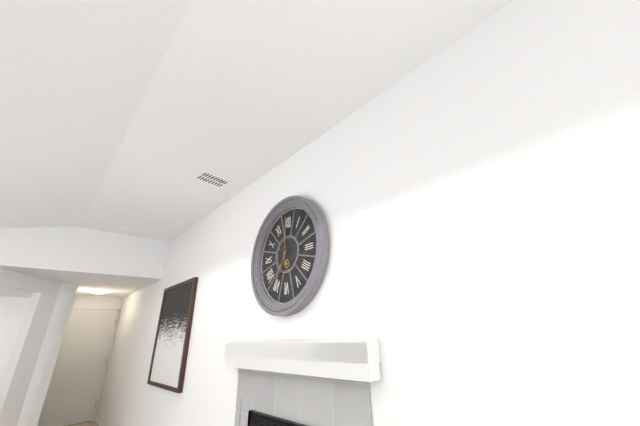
7:00
